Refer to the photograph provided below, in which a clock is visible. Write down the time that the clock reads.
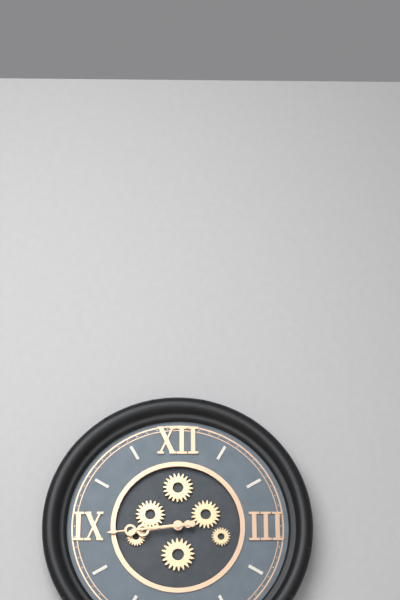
8:44
